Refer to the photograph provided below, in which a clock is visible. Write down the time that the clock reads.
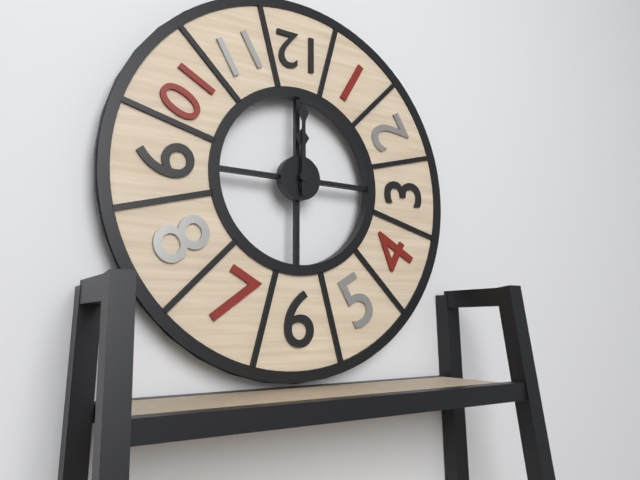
12:00
